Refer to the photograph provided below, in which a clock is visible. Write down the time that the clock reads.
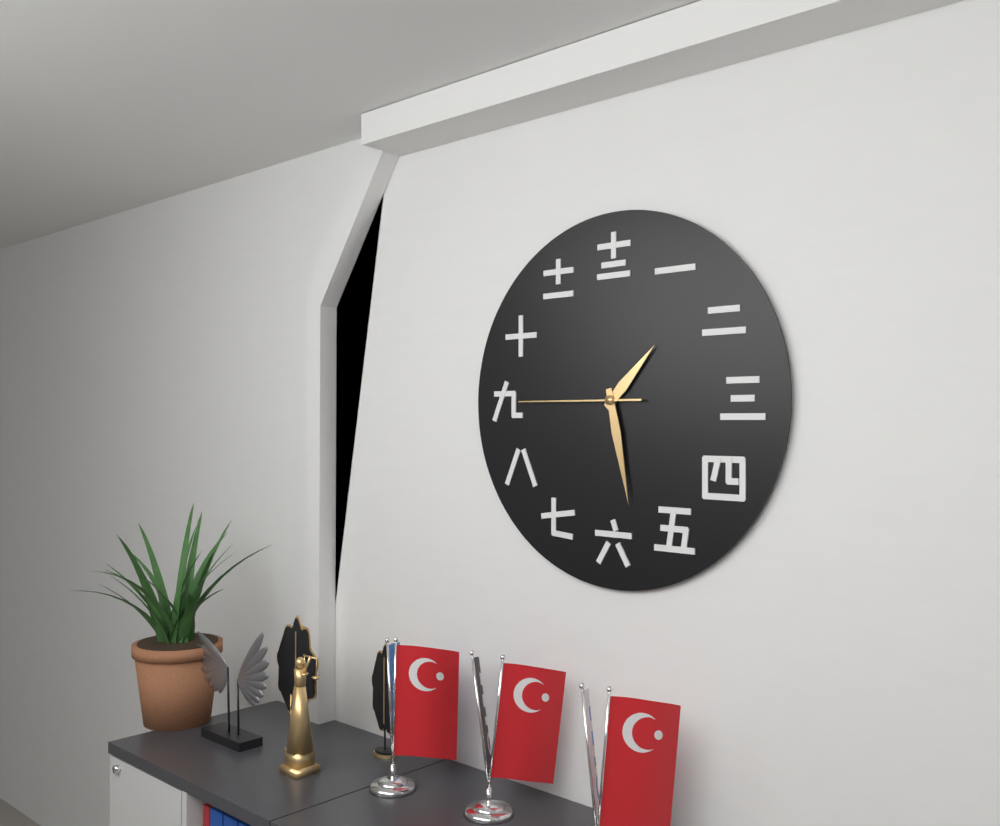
1:28:45
